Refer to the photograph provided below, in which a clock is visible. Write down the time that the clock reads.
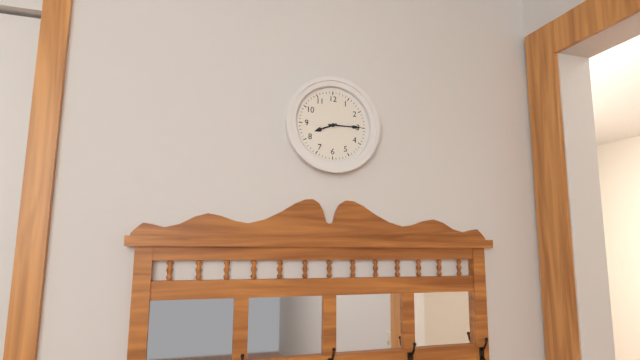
8:15
